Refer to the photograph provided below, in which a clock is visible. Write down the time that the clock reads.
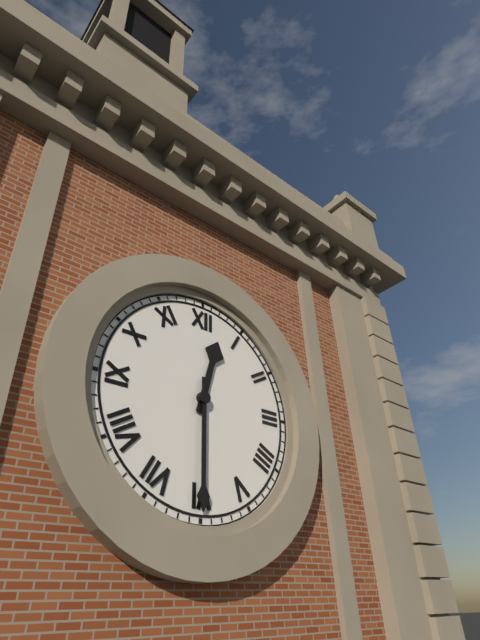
12:30
